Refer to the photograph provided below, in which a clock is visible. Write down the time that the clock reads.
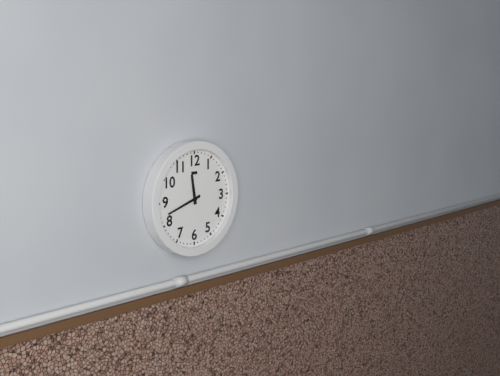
11:42
